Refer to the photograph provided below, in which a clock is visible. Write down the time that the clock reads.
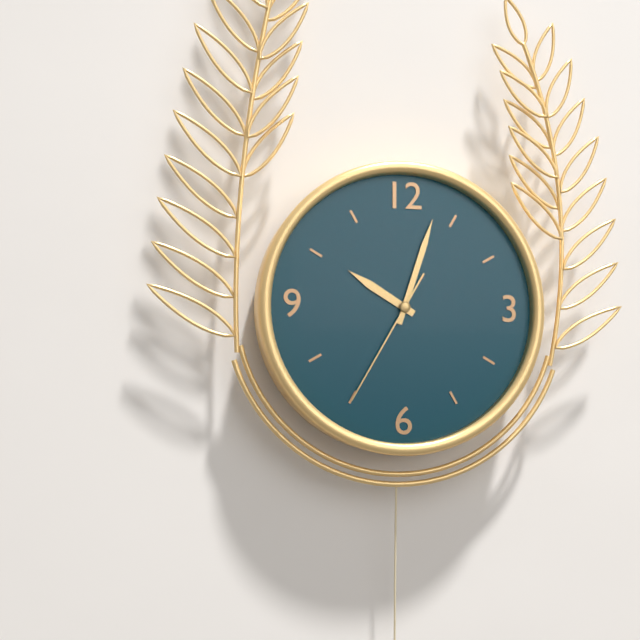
10:03:35
